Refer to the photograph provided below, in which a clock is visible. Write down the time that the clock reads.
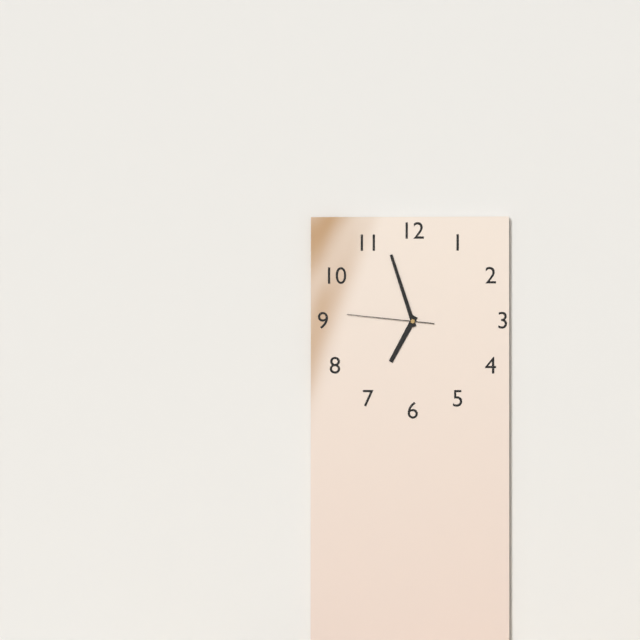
6:57:46
